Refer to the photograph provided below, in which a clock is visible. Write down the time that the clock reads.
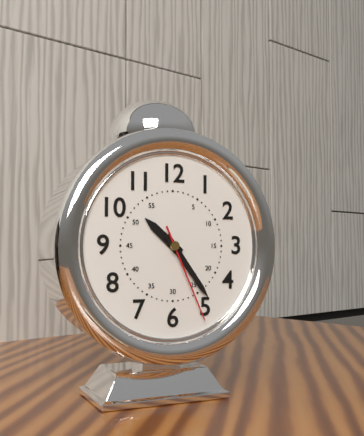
10:24:26
